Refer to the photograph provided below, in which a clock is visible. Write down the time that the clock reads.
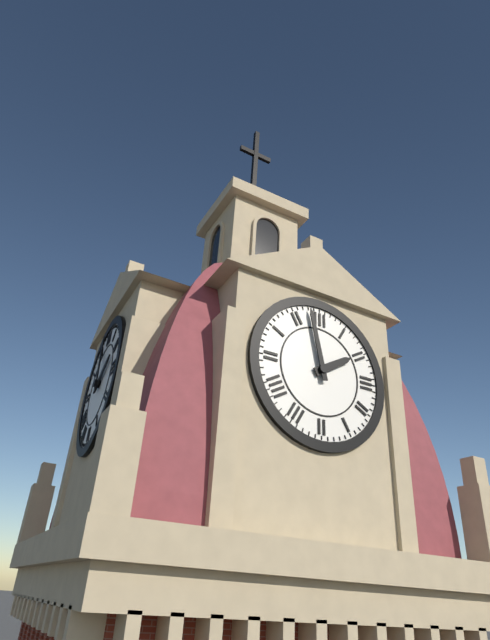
1:58
